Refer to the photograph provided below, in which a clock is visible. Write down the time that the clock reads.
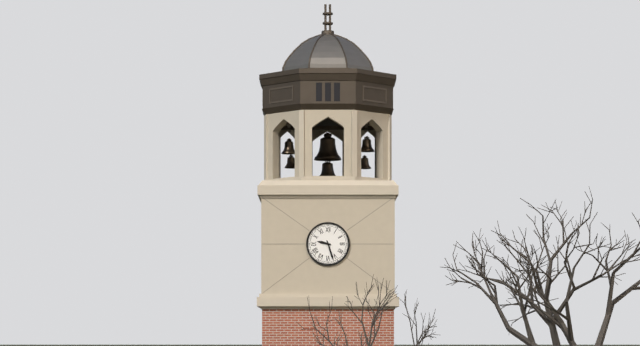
9:27
